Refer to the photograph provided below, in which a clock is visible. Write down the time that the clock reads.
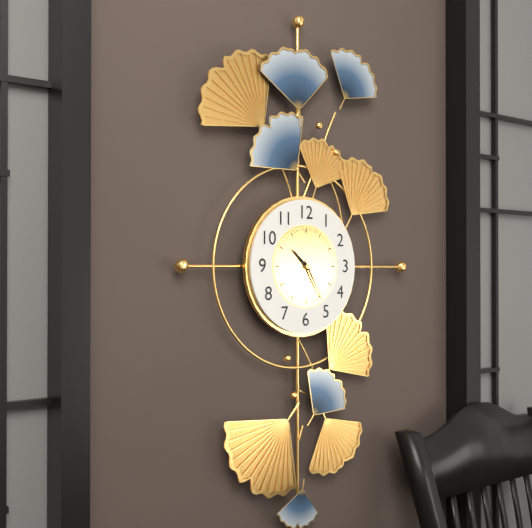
10:25
